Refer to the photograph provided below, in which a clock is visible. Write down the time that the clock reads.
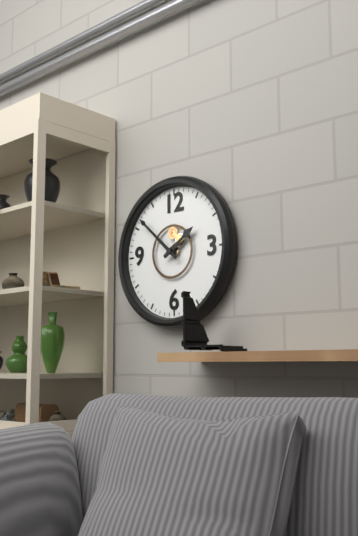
1:52
